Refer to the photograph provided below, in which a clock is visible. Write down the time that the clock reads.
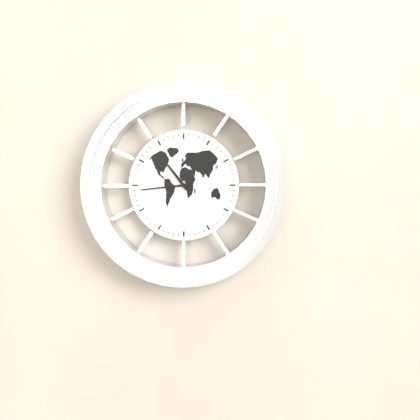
10:44
